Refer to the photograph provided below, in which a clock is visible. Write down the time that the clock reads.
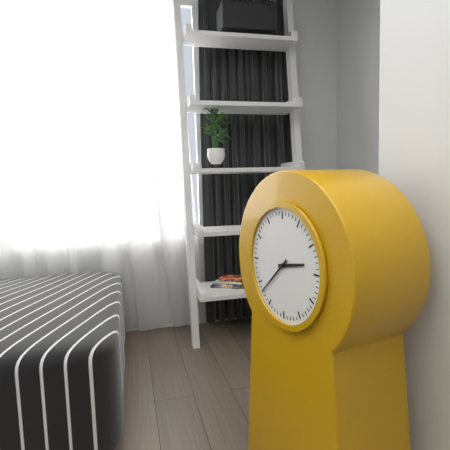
2:38
